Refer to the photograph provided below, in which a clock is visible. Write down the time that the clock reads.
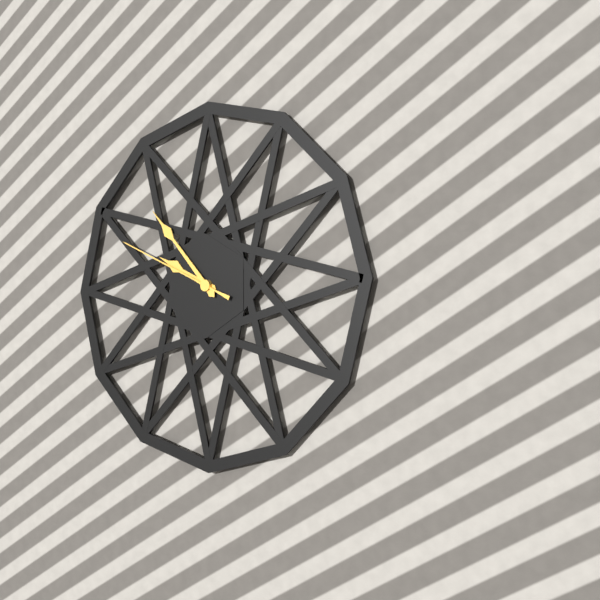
9:53:49
